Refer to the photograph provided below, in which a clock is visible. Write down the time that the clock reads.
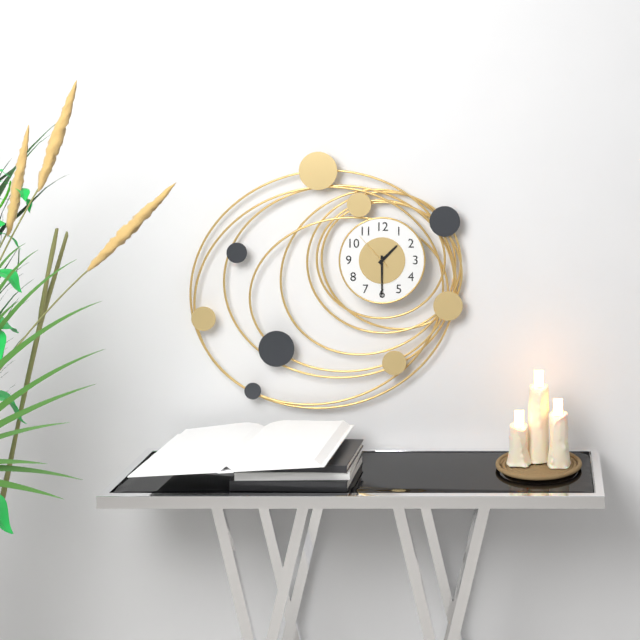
1:30
